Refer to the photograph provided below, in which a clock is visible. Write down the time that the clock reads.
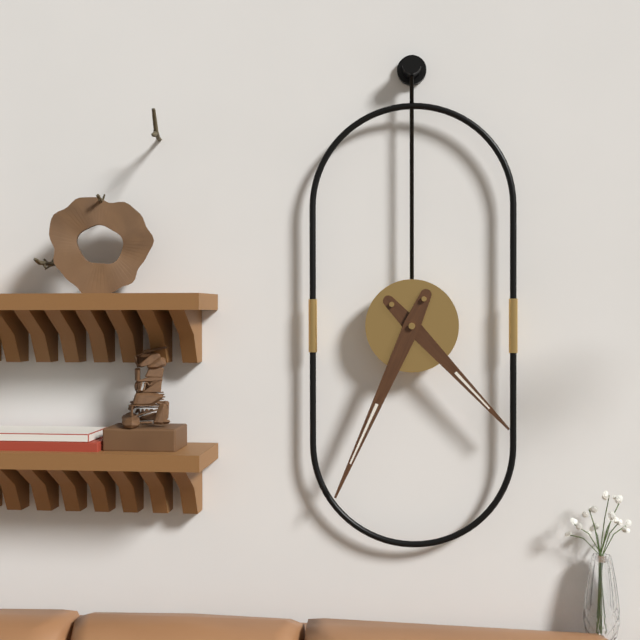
4:34
